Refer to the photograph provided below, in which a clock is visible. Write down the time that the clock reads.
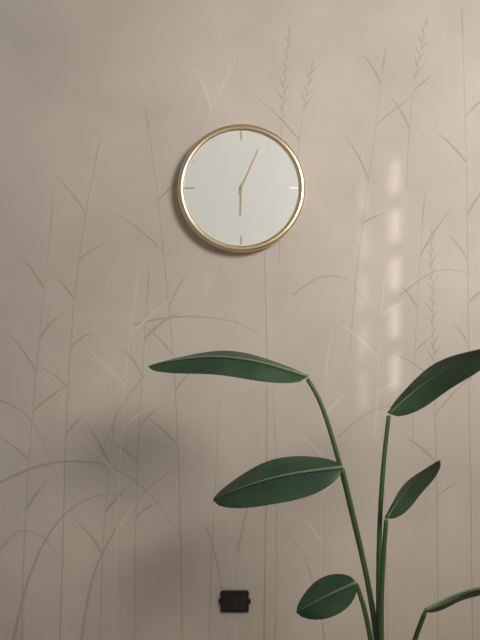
6:04
